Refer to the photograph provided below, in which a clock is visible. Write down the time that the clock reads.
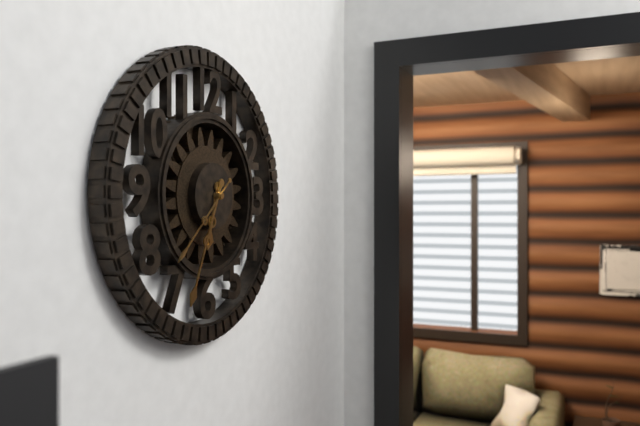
6:34:38
